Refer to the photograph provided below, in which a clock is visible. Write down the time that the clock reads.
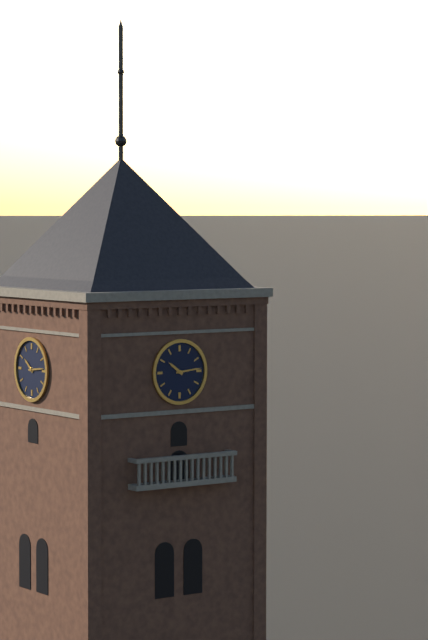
10:14
